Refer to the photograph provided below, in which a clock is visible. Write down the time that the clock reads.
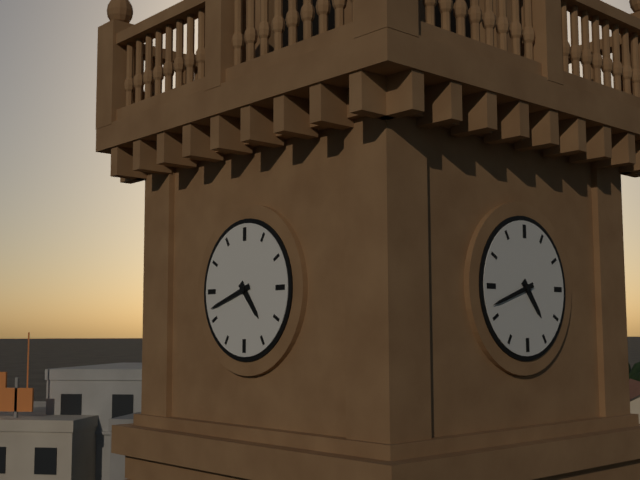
4:42
